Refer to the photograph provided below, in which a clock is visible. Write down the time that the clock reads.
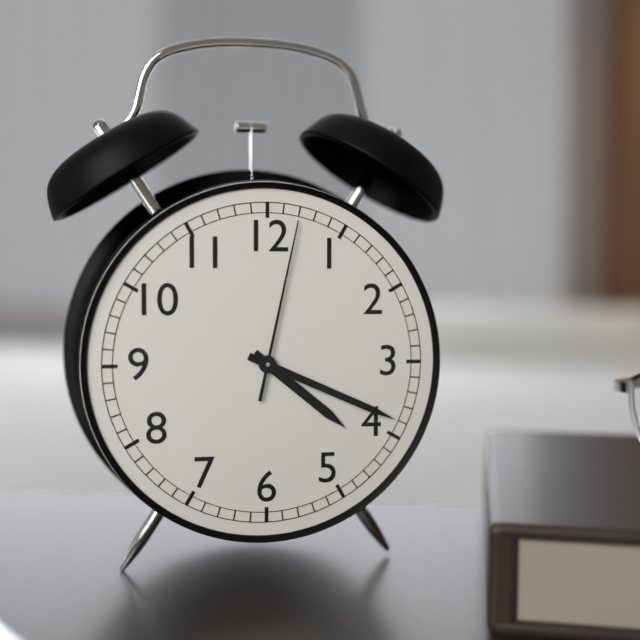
4:19:02
